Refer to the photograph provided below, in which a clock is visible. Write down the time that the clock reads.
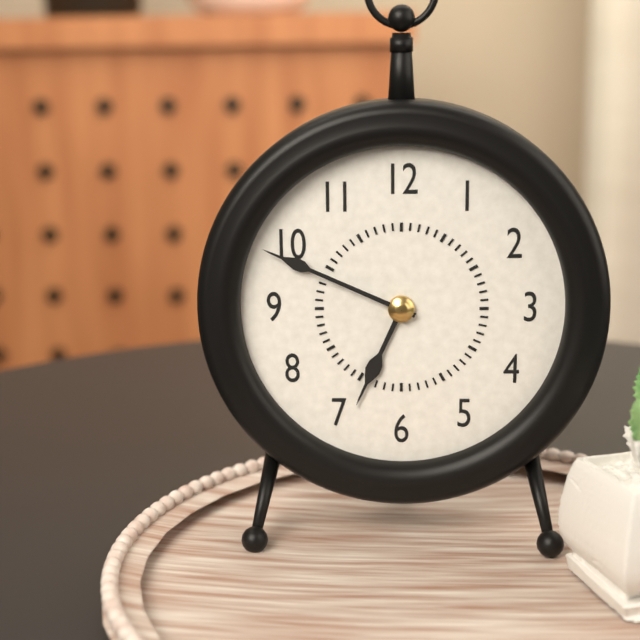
6:49
